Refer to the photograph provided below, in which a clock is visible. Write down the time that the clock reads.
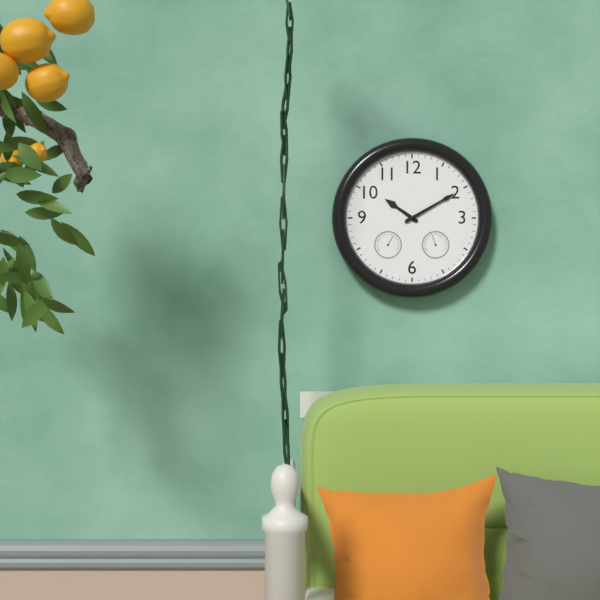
10:10
